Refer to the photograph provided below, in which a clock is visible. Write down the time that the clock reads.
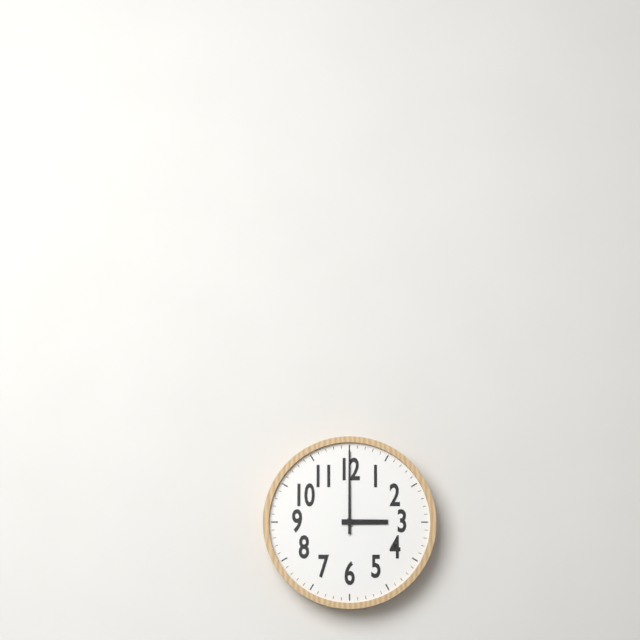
3:00
